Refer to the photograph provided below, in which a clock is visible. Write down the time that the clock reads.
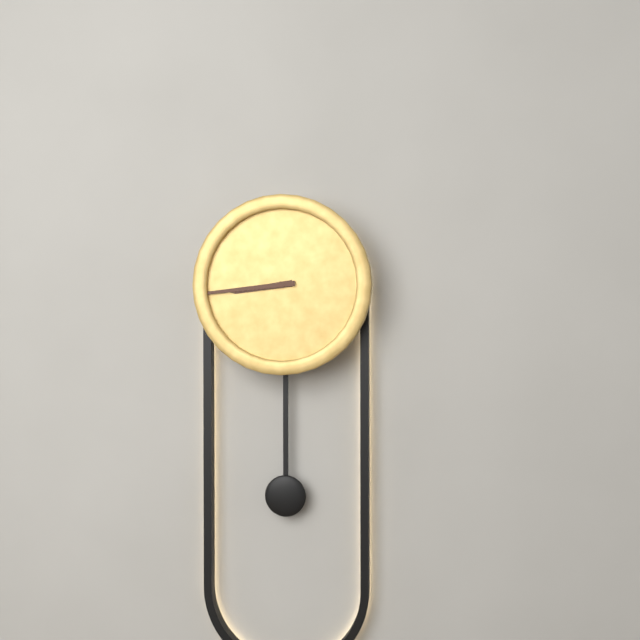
8:44
